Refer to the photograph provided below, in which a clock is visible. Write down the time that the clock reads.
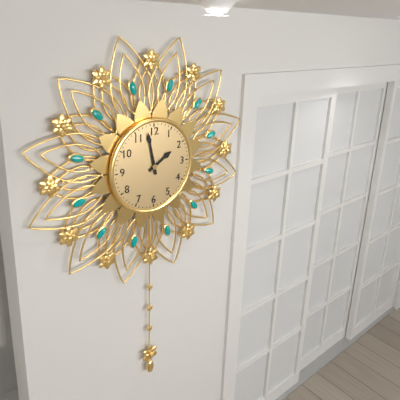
1:58
